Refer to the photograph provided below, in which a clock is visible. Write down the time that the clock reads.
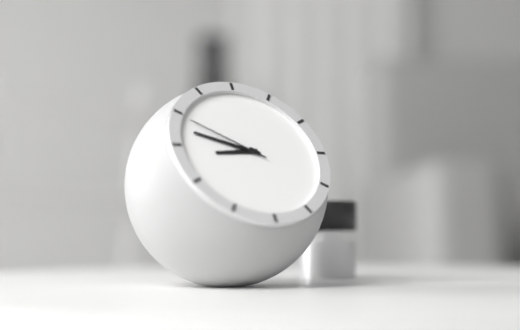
8:48:50
